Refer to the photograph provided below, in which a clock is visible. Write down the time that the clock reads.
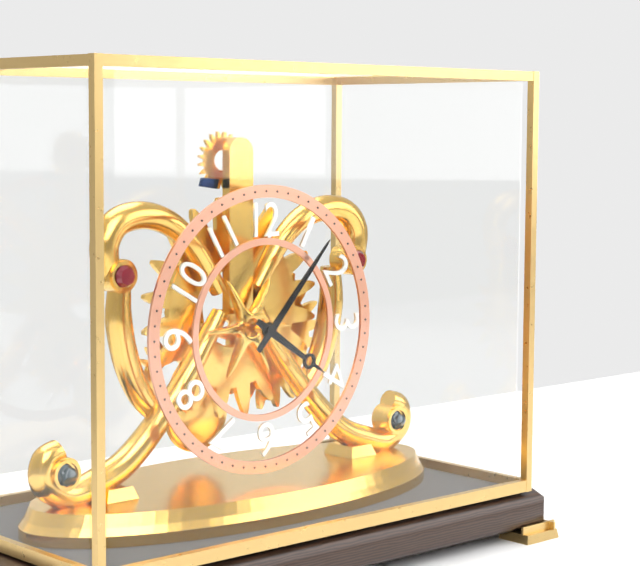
4:07
